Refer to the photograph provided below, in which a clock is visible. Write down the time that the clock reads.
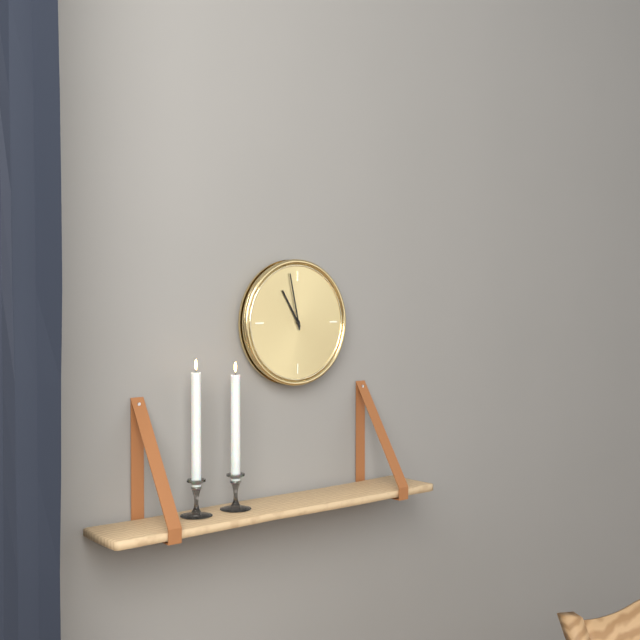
10:58
